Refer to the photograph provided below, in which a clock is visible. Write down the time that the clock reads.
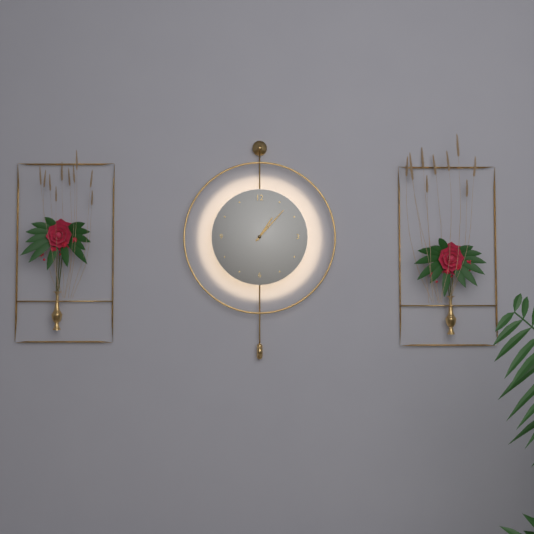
1:07
